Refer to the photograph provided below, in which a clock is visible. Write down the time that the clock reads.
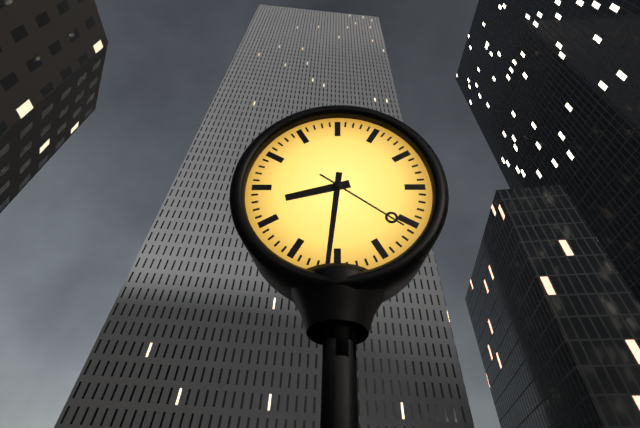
8:31:21
